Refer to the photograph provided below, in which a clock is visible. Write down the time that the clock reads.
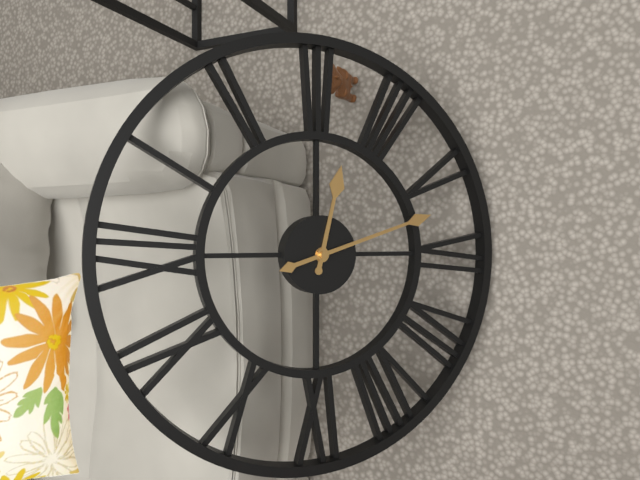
3:27
